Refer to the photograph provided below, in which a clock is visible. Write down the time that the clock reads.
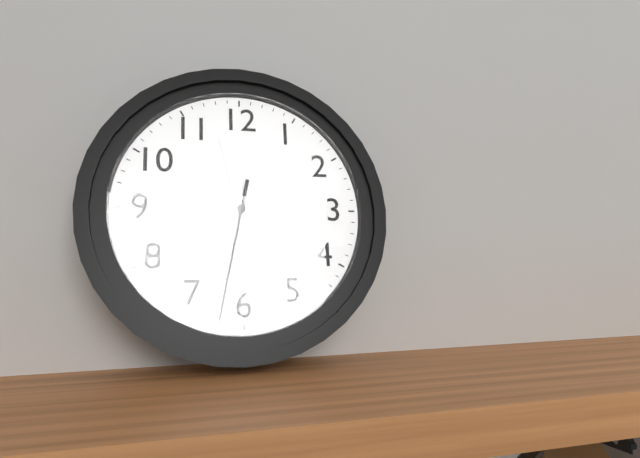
11:32
